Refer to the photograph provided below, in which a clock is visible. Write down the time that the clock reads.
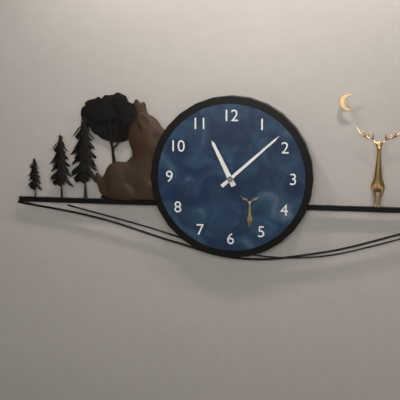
11:08
